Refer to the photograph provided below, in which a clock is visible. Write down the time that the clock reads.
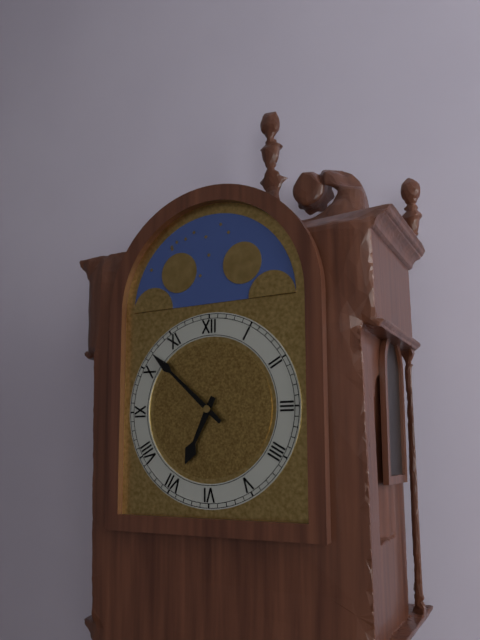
6:52
